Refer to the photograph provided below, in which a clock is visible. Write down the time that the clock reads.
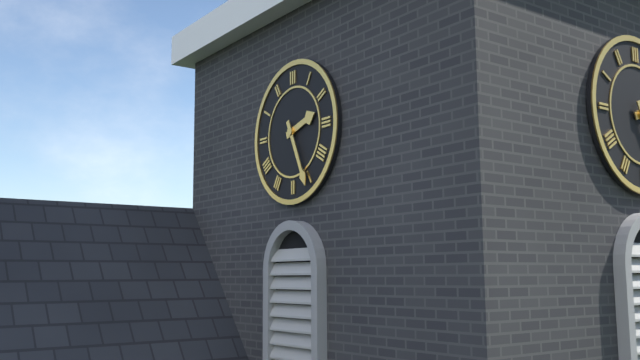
2:26
